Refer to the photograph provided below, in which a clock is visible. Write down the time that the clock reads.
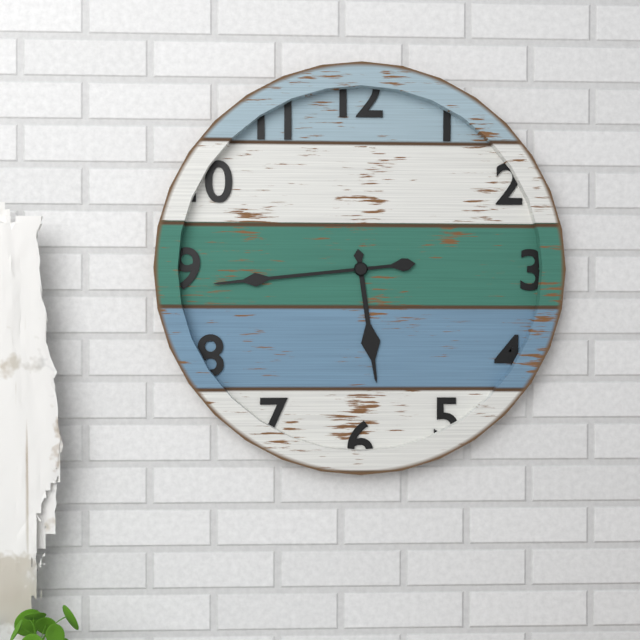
5:44
